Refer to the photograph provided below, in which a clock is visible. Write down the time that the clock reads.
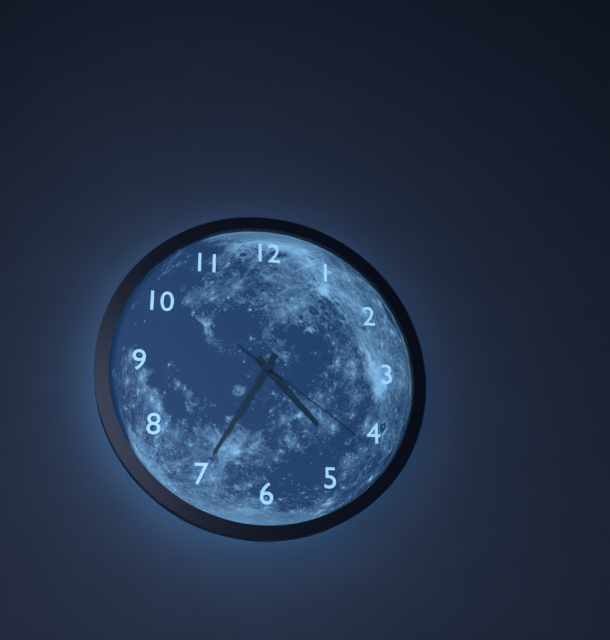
4:35:21
